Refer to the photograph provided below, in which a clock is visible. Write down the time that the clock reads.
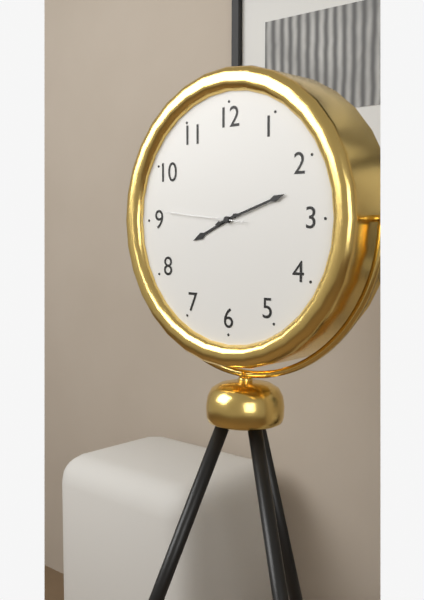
8:12:46
